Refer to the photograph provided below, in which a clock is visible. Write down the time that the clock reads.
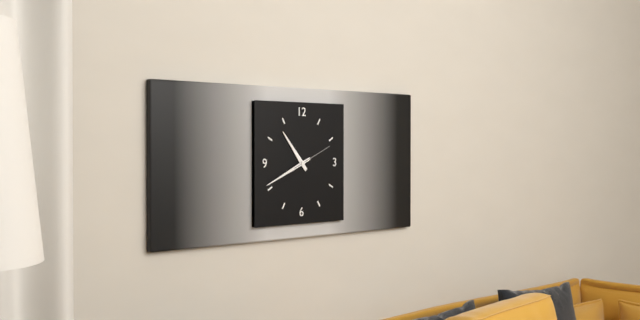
10:41
